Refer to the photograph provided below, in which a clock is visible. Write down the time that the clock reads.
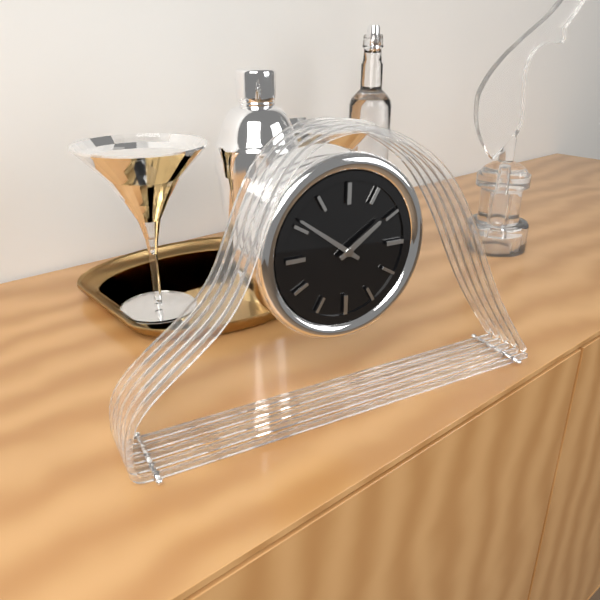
1:51
